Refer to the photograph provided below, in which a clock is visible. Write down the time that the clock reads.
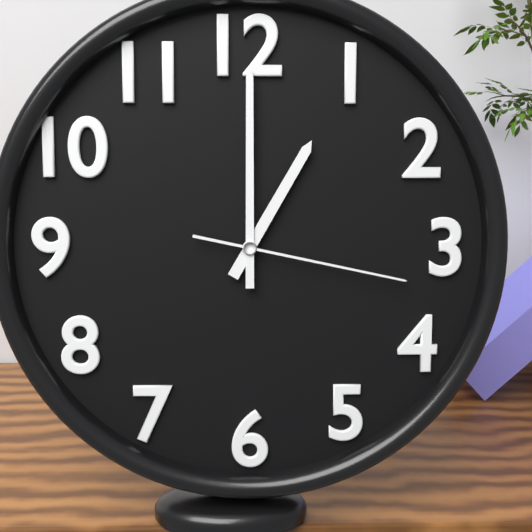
1:00:17
